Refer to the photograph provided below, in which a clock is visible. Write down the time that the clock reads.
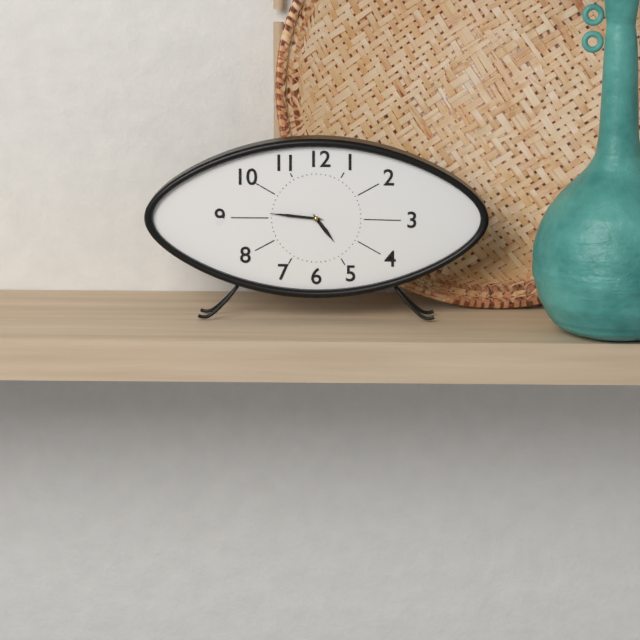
4:46
